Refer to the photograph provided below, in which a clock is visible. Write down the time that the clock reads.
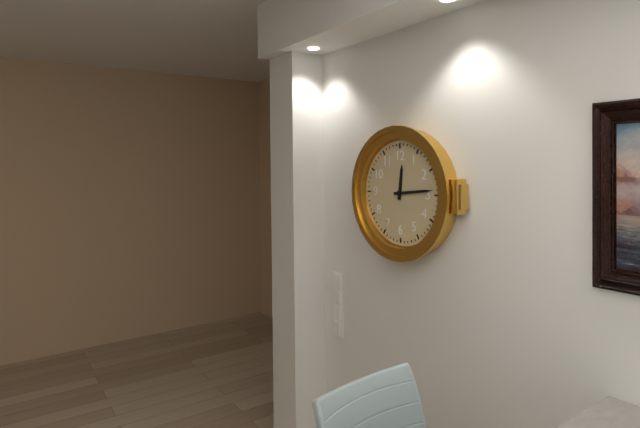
12:14
